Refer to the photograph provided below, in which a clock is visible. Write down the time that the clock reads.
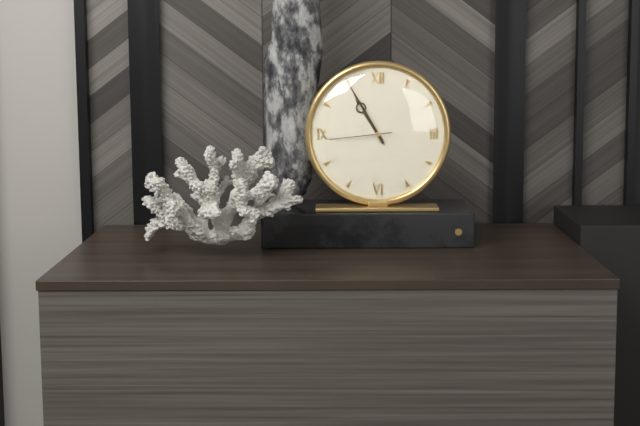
10:55:44
